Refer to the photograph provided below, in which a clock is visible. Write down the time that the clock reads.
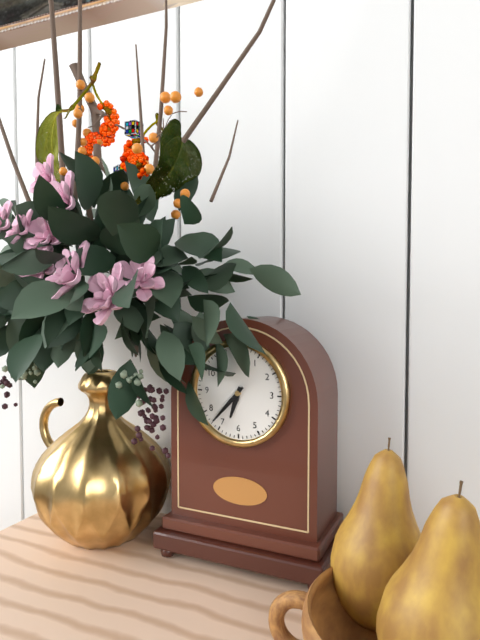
6:37
